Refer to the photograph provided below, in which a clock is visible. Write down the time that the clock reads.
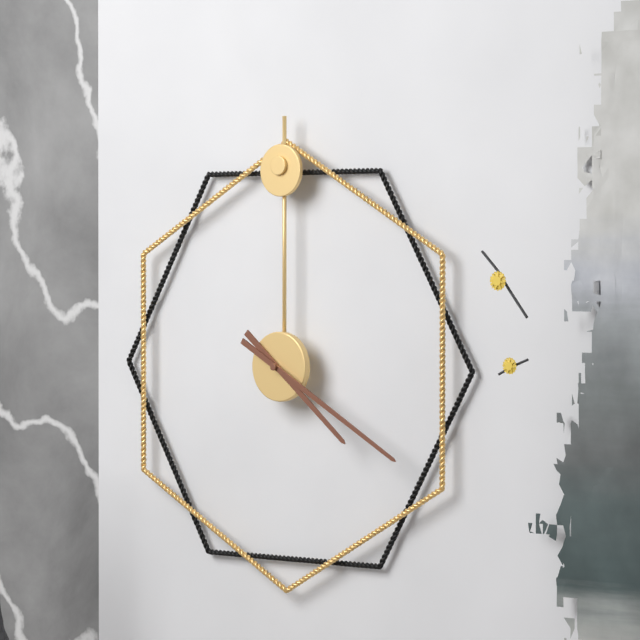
4:20
